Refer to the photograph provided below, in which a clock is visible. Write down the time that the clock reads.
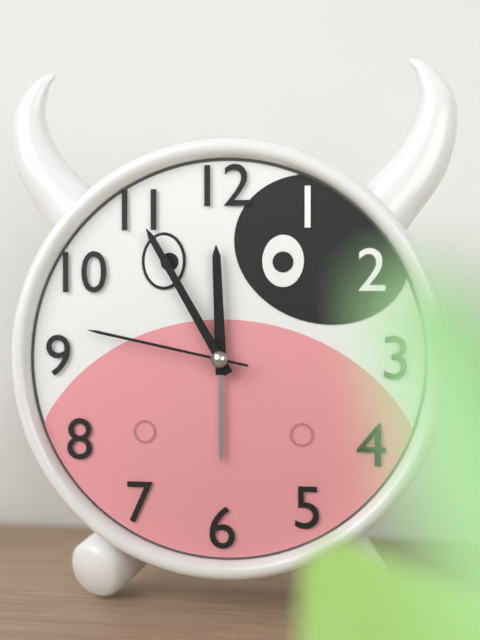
11:55:47
